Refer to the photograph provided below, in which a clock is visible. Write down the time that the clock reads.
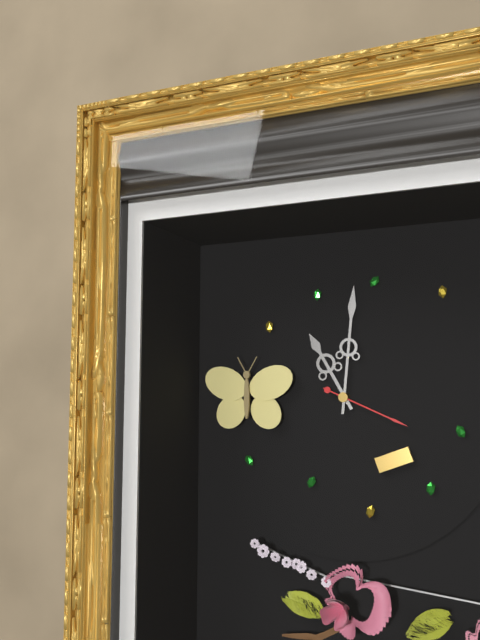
11:01:19
